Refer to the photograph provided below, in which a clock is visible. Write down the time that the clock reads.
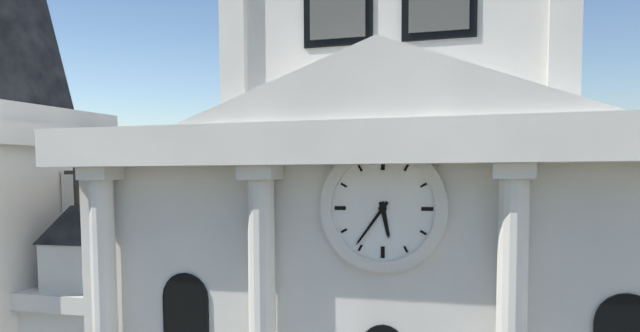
5:36
